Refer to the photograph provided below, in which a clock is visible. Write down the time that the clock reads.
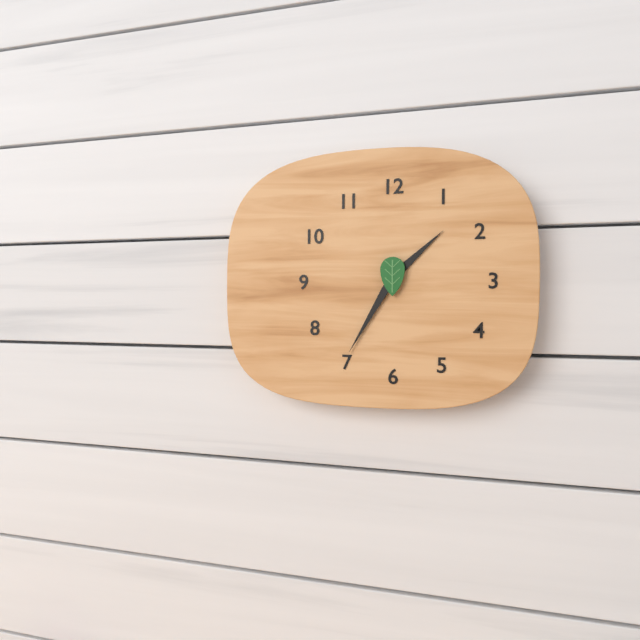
1:35
